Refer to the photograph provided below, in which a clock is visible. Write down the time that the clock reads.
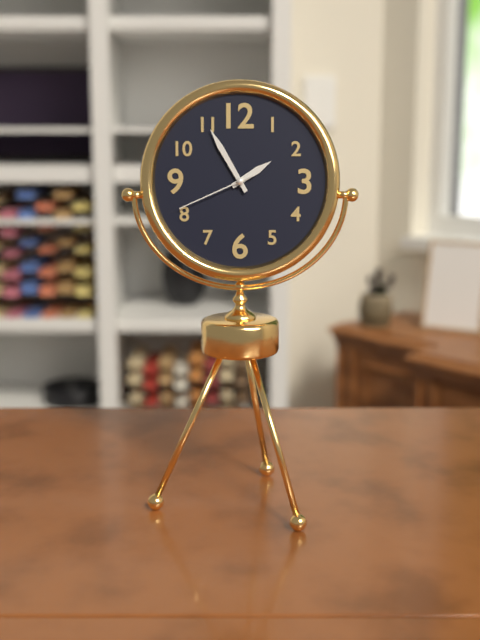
1:55:41
